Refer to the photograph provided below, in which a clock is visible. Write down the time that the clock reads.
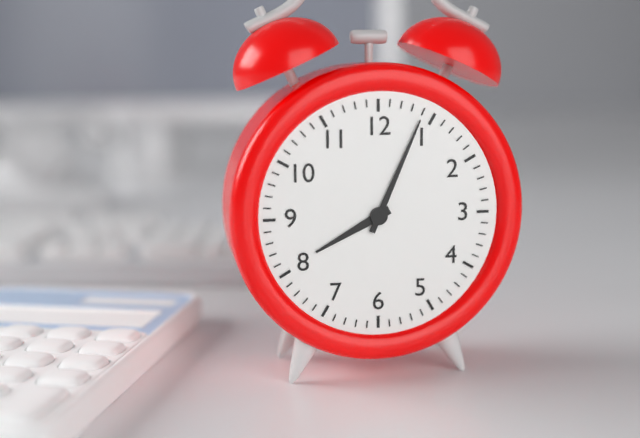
8:04
